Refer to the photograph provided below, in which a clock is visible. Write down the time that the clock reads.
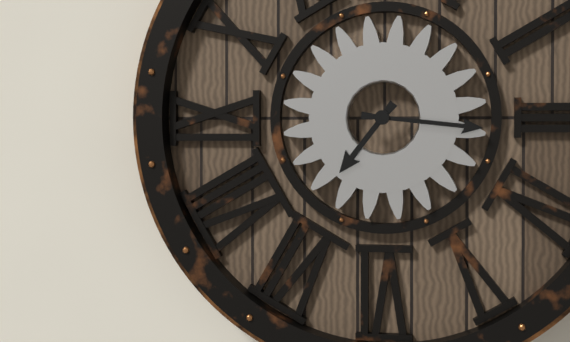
7:16
